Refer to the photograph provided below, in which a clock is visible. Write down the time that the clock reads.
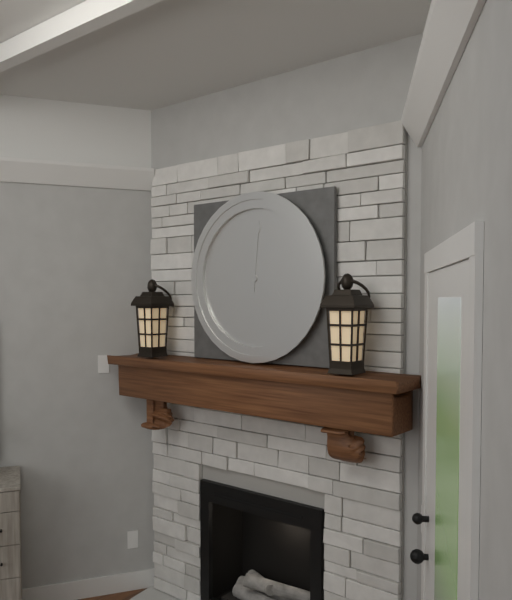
4:01
